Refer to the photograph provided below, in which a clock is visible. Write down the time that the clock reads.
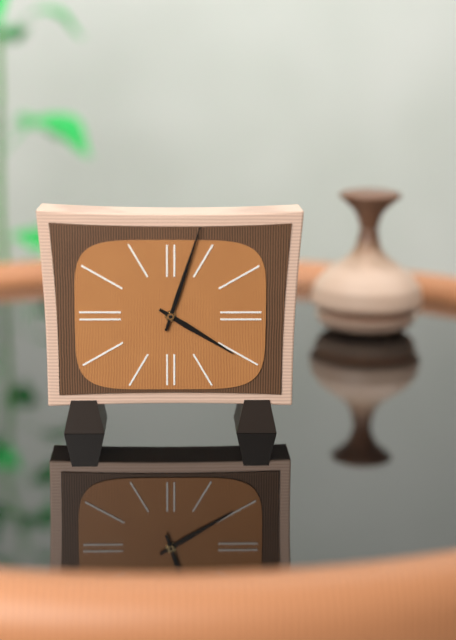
4:03
